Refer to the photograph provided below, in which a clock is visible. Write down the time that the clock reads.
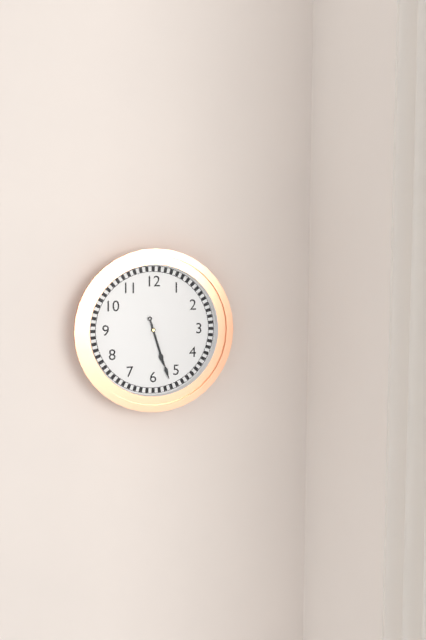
5:27
